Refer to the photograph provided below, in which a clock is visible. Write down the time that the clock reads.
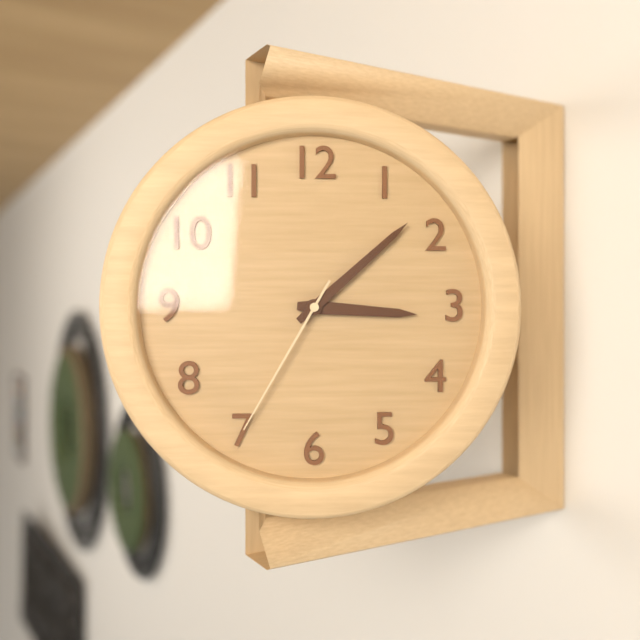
3:08:35
